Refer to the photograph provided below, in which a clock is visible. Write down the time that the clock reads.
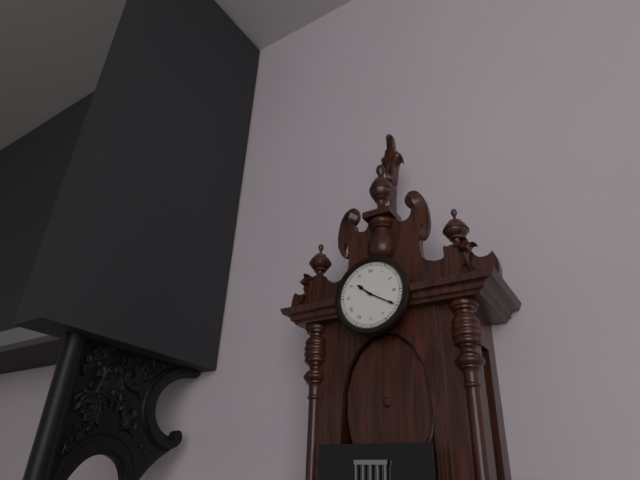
10:20
